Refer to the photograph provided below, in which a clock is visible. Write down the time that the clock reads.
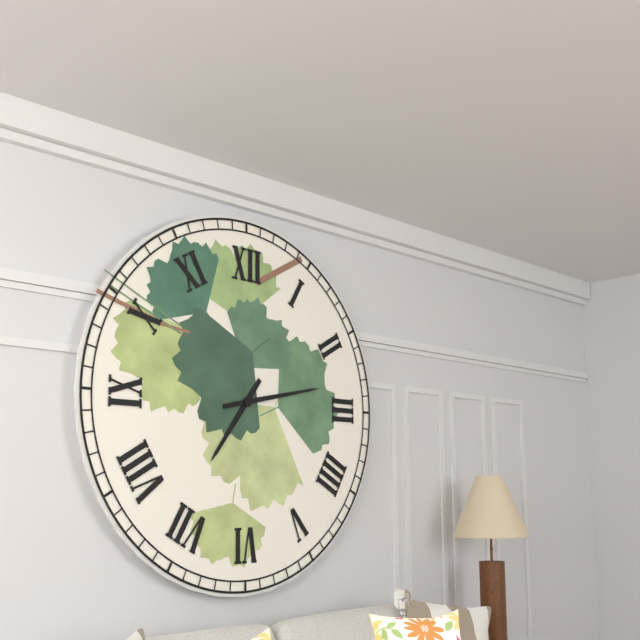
7:13
